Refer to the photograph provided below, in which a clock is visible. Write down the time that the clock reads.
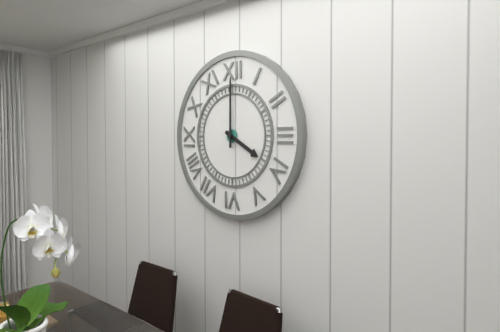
4:00
